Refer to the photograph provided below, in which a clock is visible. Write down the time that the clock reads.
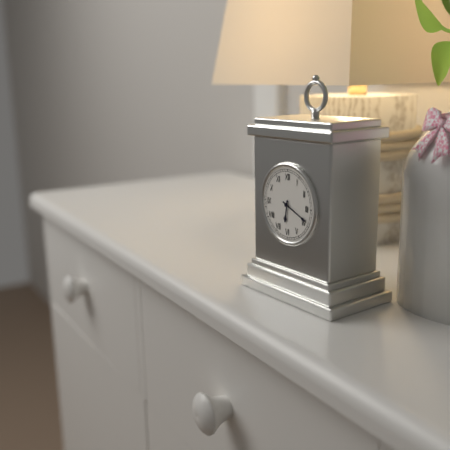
6:19
